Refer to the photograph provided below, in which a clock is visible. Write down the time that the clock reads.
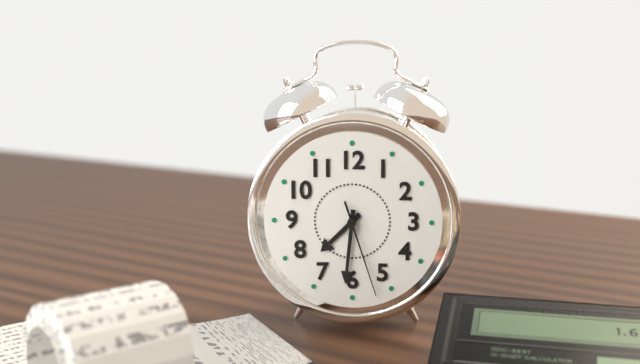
7:31:27
